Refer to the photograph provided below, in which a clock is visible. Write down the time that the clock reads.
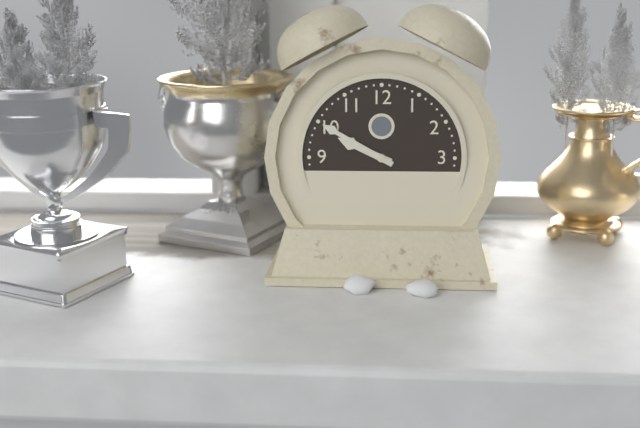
9:50
